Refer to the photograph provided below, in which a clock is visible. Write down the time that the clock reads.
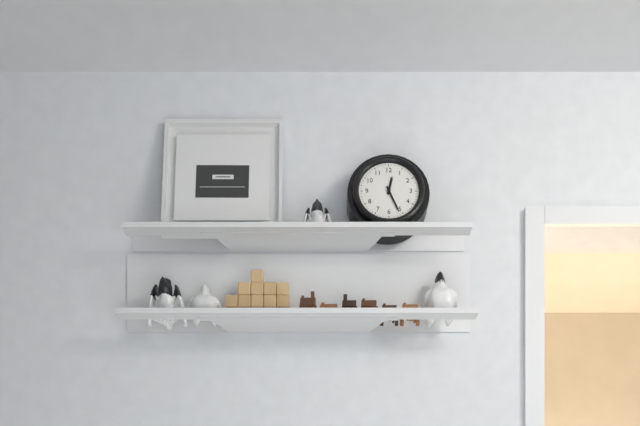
12:26
